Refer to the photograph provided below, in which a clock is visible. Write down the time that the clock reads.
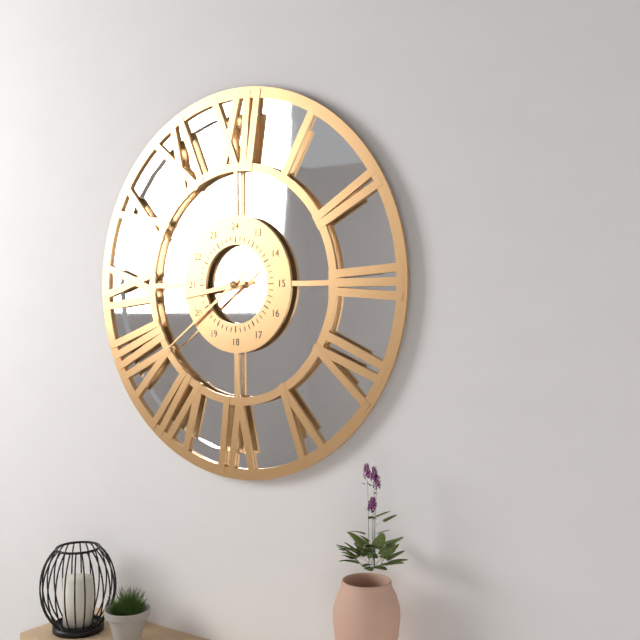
8:39
